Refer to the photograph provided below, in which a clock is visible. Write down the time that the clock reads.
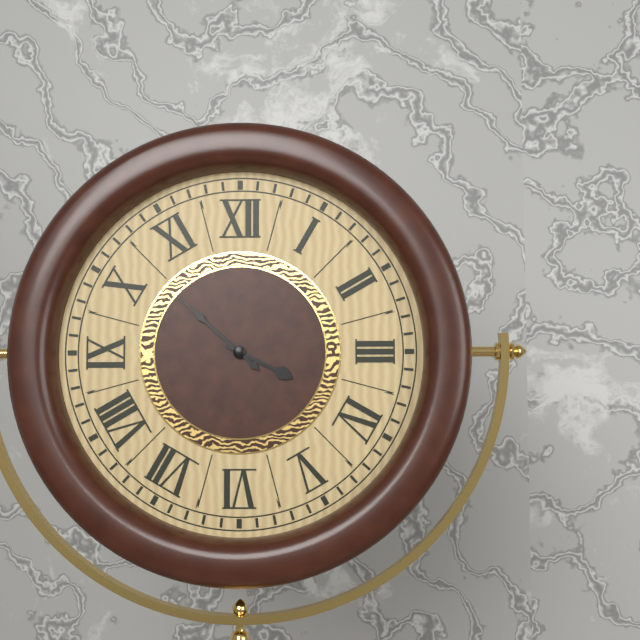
3:52
